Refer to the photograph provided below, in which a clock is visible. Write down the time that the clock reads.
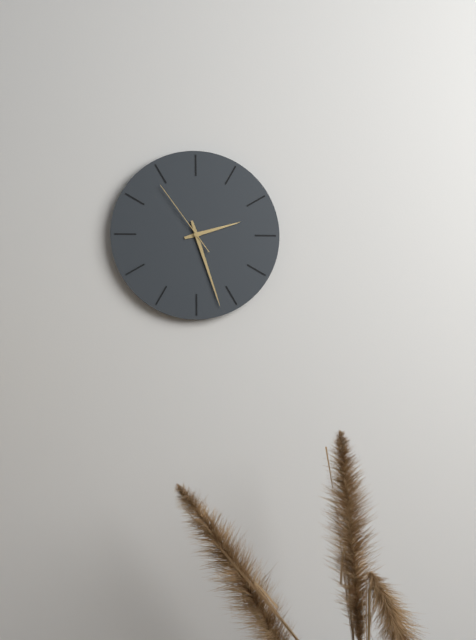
2:27:54
